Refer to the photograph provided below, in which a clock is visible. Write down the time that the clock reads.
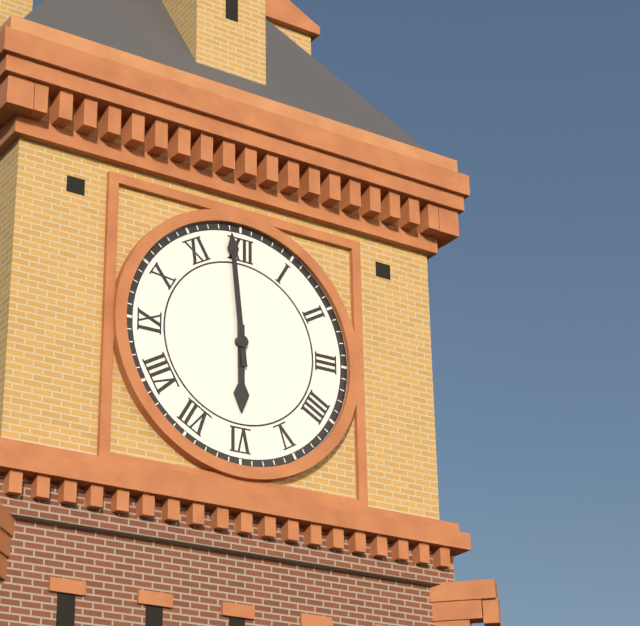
5:59
